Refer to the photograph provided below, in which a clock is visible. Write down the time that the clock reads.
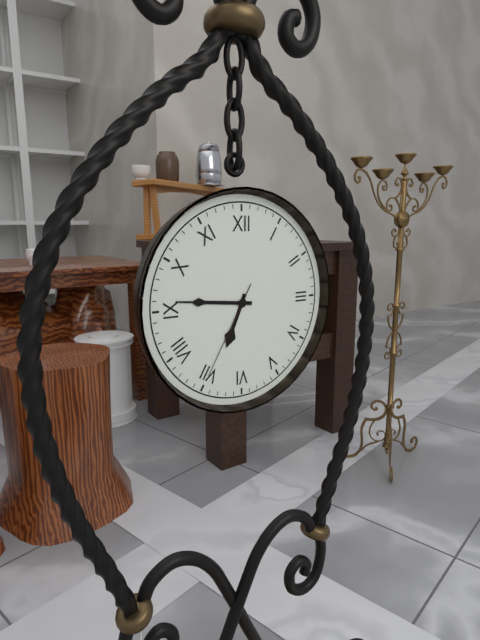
6:46:35
